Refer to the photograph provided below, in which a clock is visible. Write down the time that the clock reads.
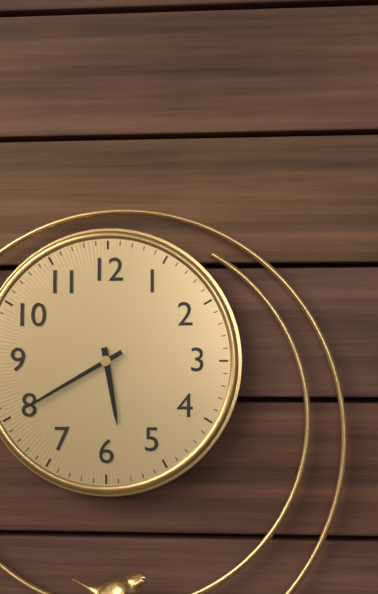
5:40
